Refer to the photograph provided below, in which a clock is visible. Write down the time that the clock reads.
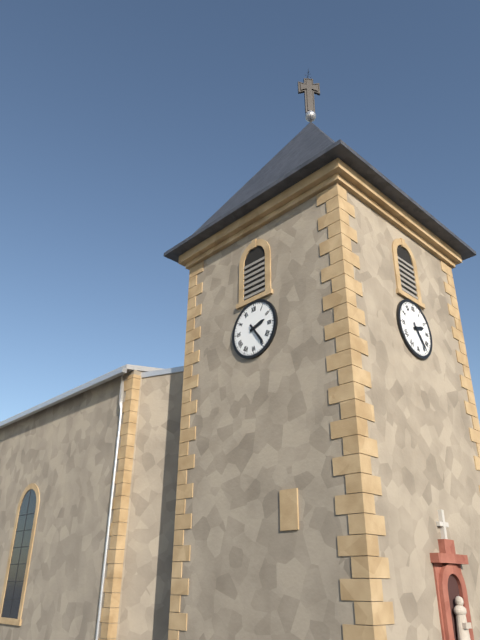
2:24
